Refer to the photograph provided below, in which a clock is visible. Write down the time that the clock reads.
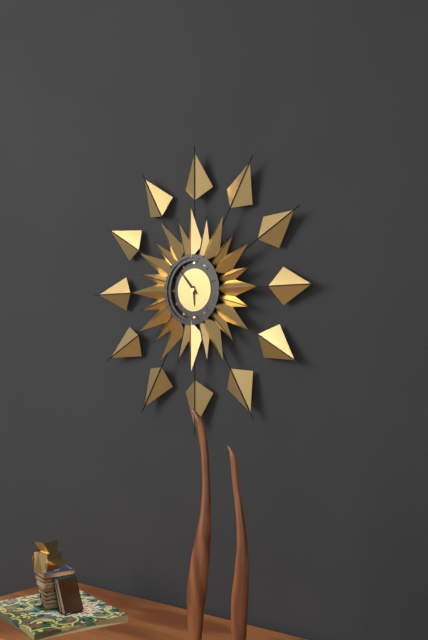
5:53
